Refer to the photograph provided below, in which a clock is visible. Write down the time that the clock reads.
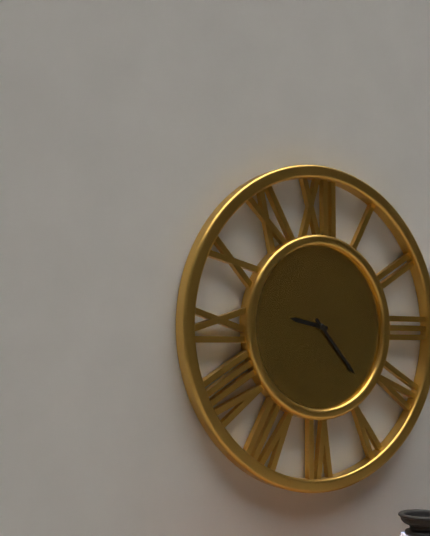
9:23
